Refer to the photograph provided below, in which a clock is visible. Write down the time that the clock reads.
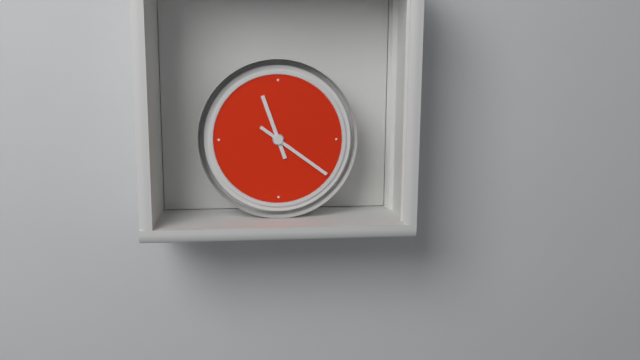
11:21
